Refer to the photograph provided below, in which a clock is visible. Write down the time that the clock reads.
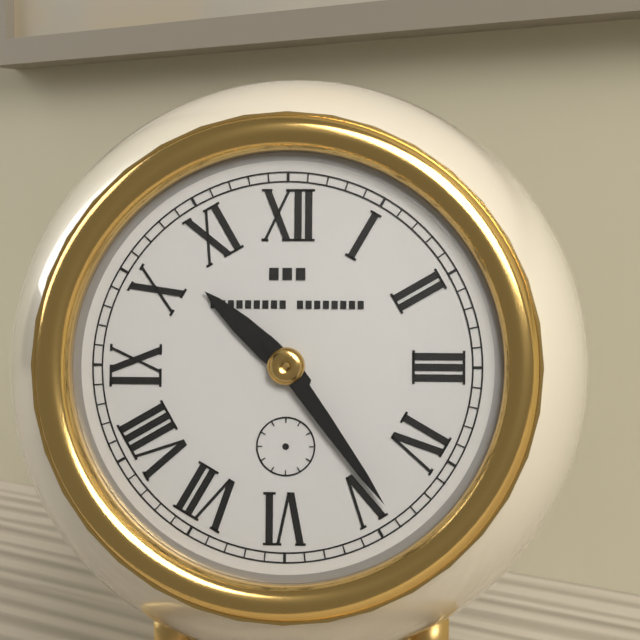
10:24
